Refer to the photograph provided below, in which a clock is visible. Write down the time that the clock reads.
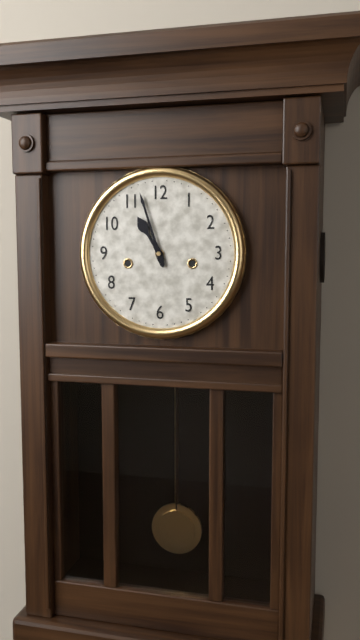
10:57
